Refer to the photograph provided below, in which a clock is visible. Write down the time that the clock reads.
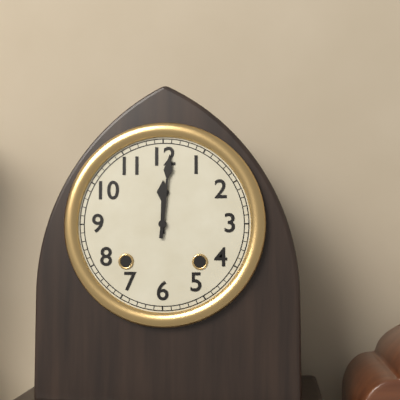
12:01
